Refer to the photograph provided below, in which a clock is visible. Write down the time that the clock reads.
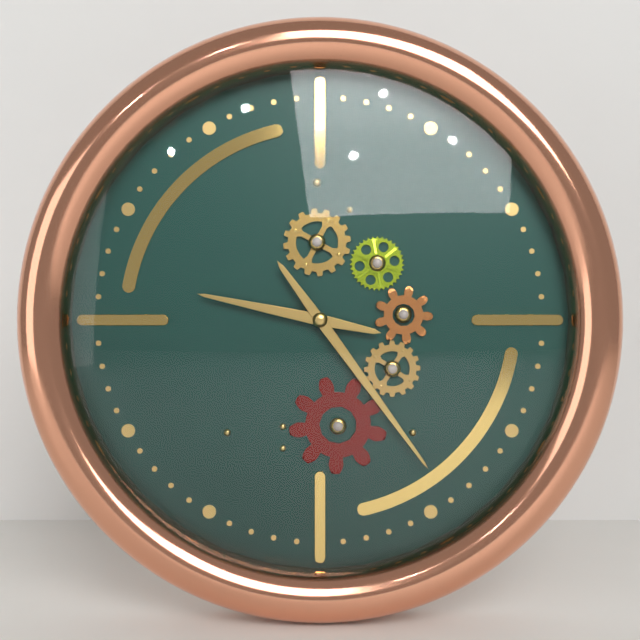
9:24
